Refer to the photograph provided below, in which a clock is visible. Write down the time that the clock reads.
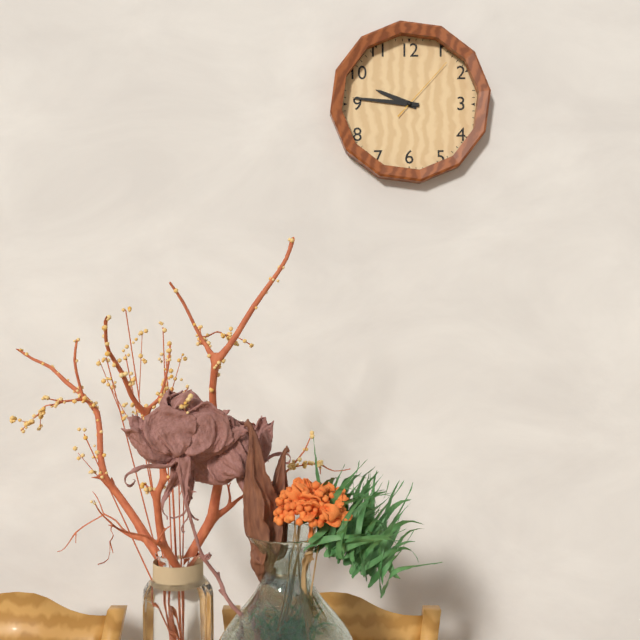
9:46:07
